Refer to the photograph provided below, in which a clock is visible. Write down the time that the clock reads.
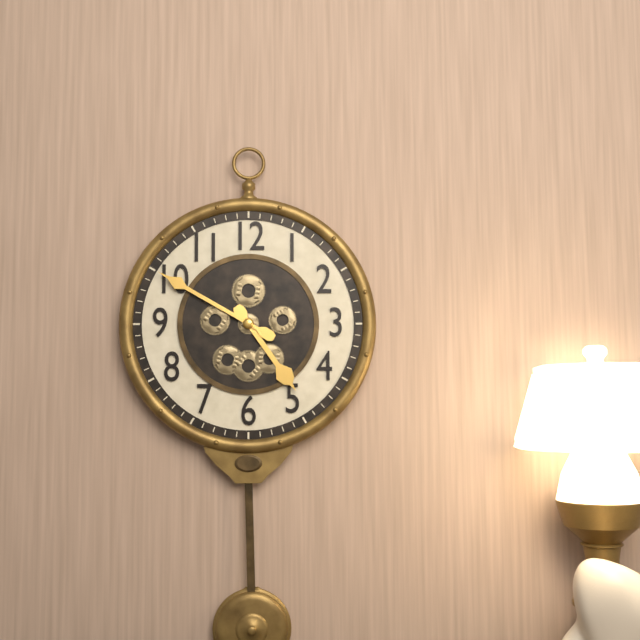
4:50
